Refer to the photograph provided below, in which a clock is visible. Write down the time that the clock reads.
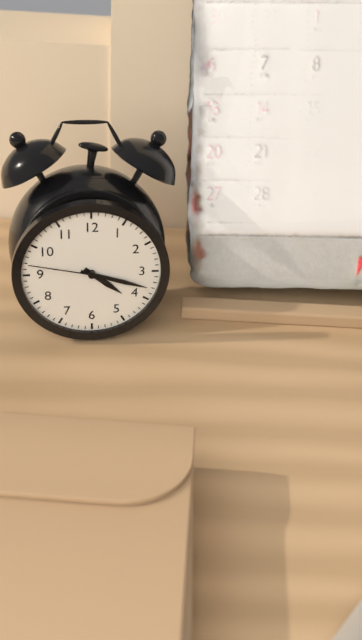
4:18:47
